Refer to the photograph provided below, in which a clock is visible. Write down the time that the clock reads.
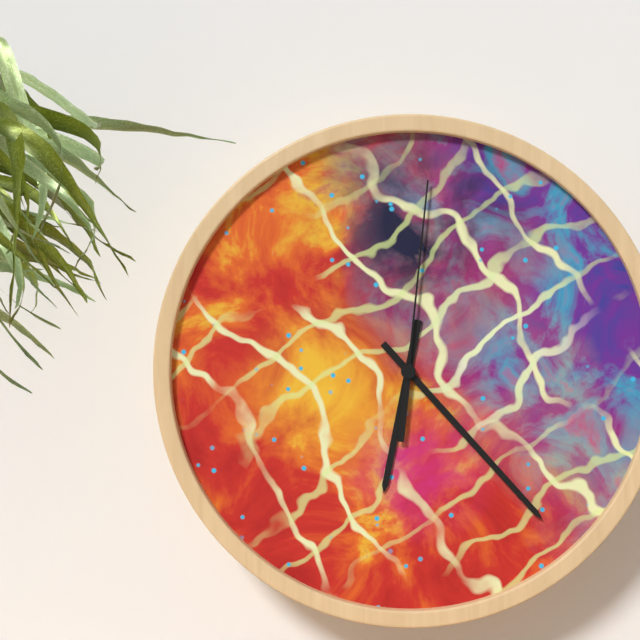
6:23:01
